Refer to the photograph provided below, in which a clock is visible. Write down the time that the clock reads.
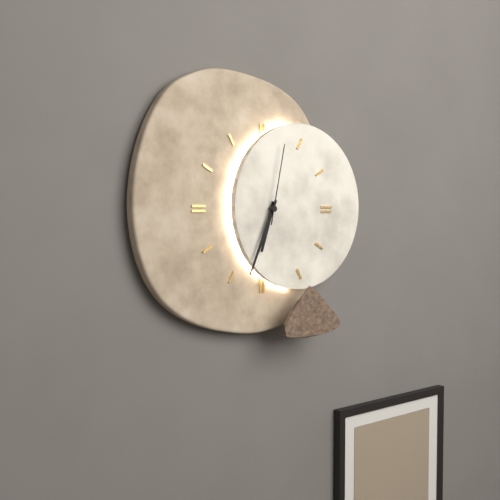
6:34:02
